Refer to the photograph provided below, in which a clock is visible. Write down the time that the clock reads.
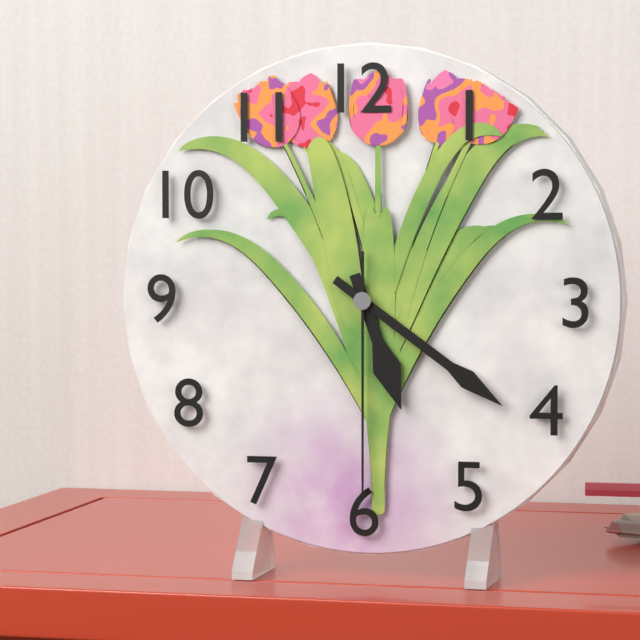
5:21:30
